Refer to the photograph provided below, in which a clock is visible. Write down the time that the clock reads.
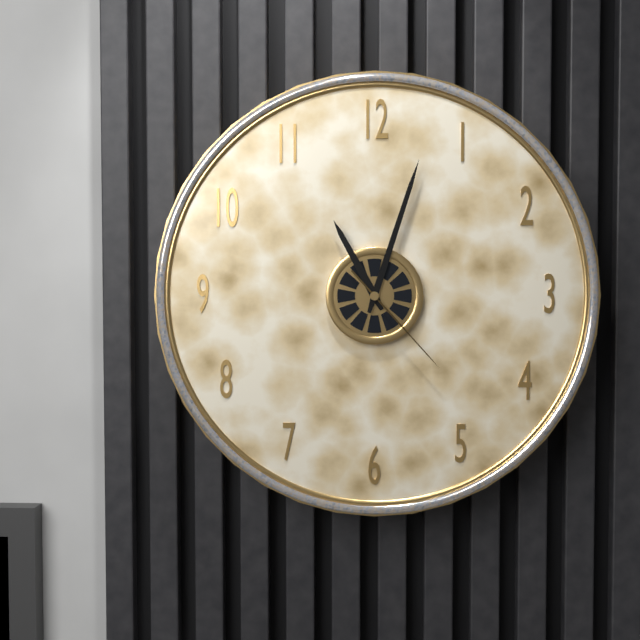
11:03:23
